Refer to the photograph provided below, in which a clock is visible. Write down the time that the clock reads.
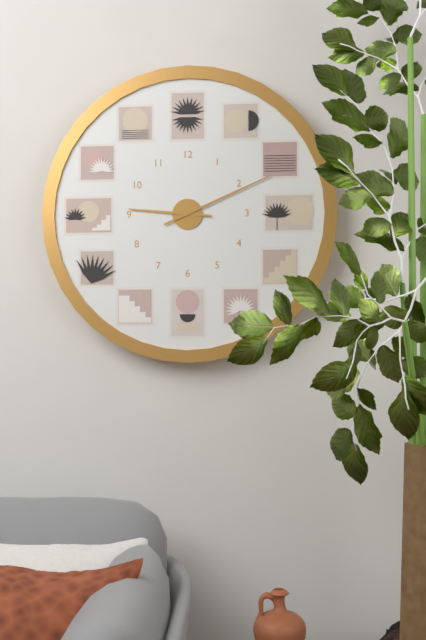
9:11
